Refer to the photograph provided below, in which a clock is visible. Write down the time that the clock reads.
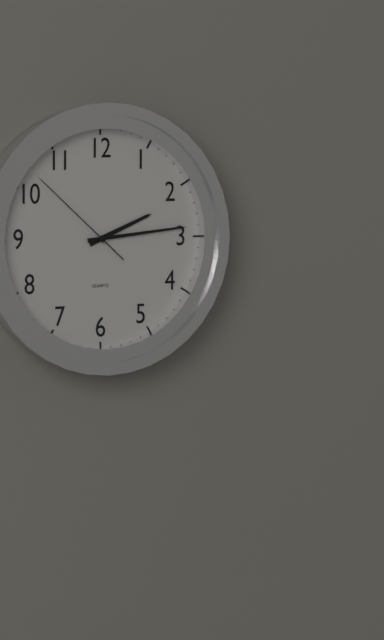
2:14:52
